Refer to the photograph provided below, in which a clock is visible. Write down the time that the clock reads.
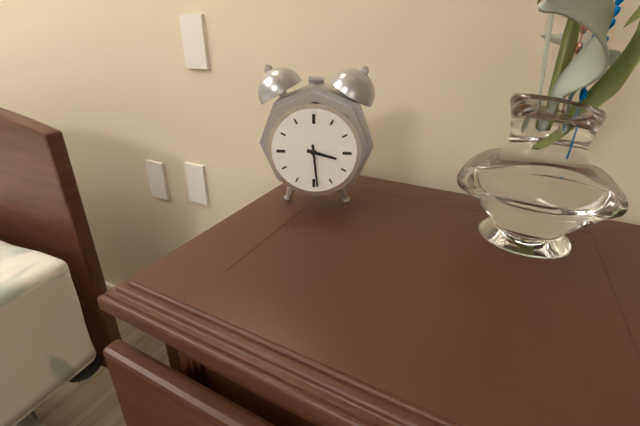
3:29
